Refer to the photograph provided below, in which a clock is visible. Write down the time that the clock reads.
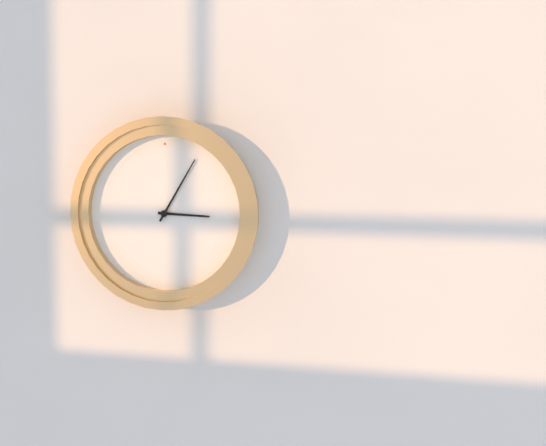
3:05
